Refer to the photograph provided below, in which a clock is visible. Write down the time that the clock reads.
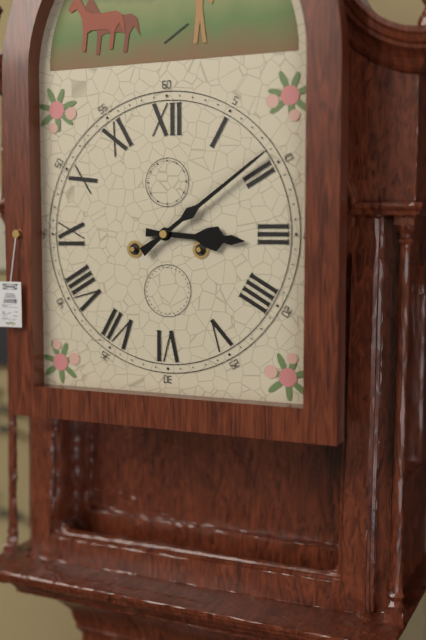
3:09
